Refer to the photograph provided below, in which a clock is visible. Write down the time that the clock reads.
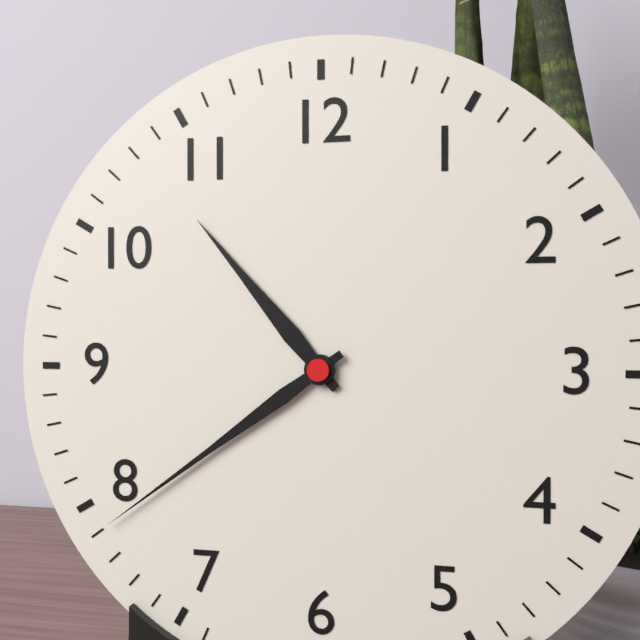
10:39
